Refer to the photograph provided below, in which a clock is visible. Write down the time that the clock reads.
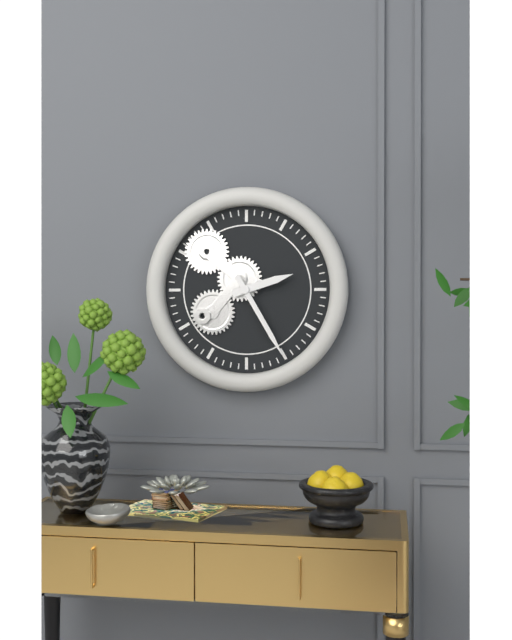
2:25
